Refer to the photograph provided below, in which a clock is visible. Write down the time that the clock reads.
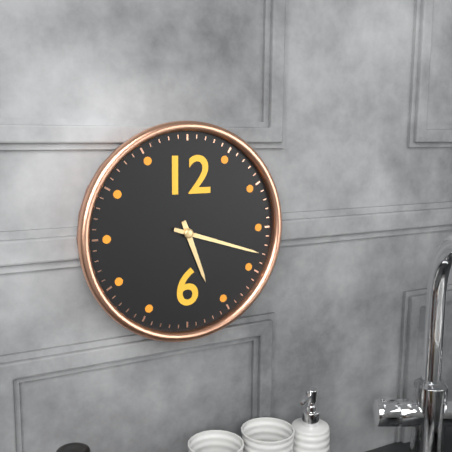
5:18
